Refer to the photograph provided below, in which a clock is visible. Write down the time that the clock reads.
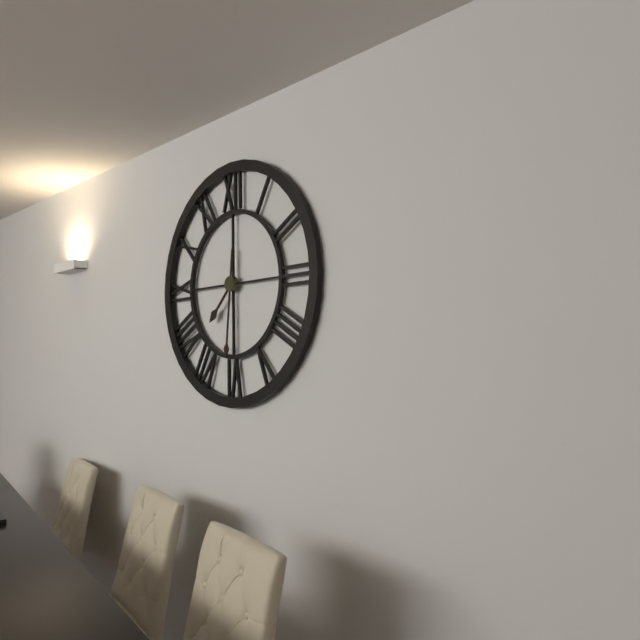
7:31
